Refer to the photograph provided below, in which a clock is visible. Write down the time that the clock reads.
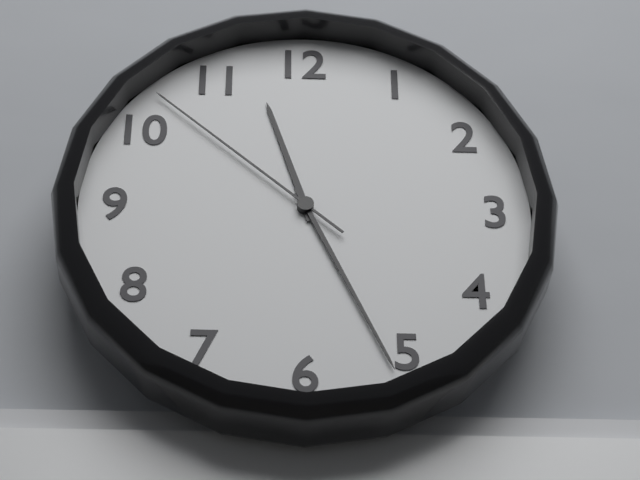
11:26:52
